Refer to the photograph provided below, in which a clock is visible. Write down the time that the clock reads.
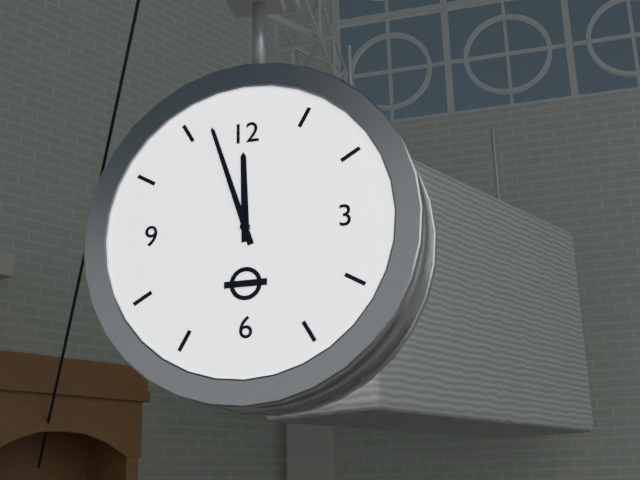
11:57
